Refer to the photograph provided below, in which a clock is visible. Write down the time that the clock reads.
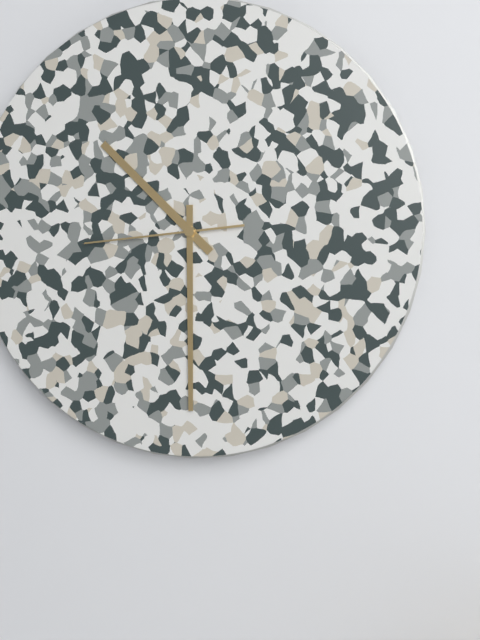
10:30:44
